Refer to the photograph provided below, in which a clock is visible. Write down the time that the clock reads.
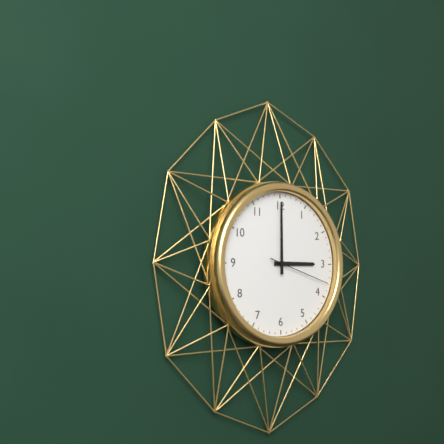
3:00:18
